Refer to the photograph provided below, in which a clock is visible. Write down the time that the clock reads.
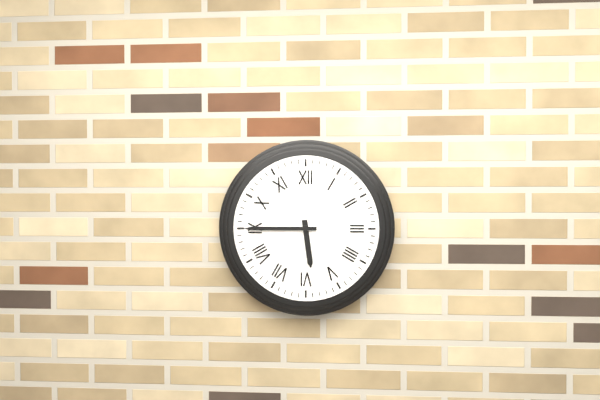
5:45
